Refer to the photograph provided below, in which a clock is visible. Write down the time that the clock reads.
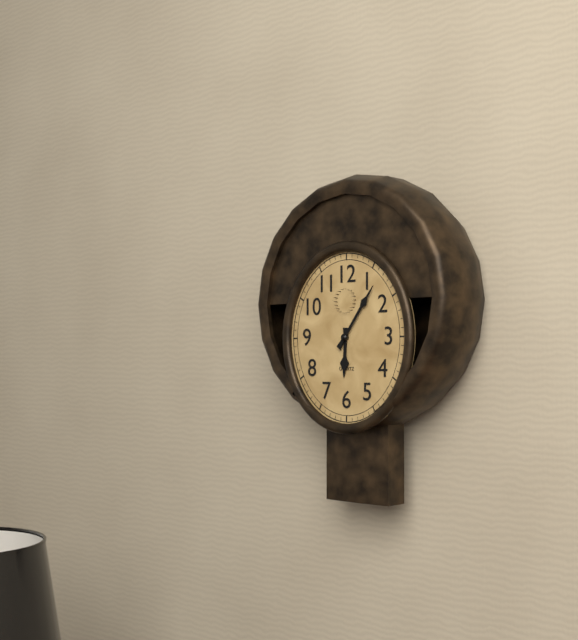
6:06
